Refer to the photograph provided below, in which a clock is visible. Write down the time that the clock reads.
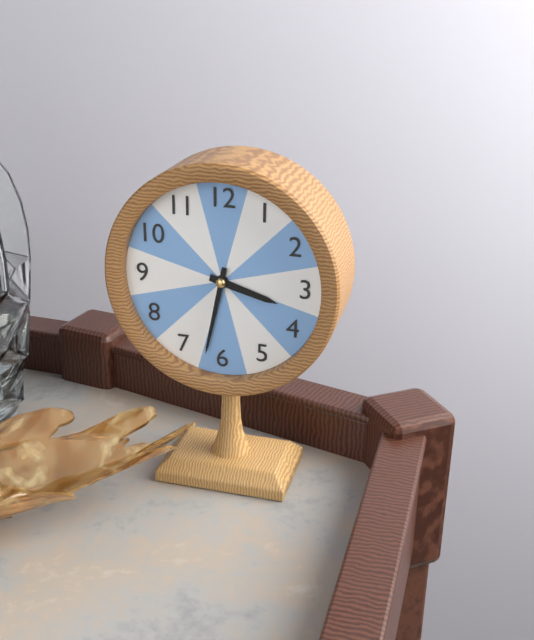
3:32
